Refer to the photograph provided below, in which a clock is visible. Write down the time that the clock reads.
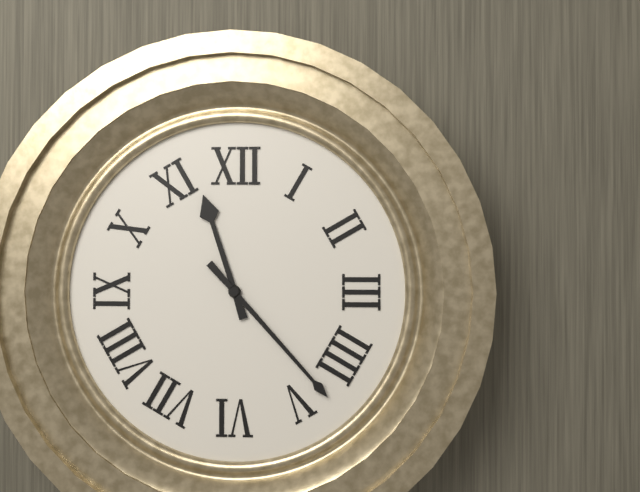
11:23
